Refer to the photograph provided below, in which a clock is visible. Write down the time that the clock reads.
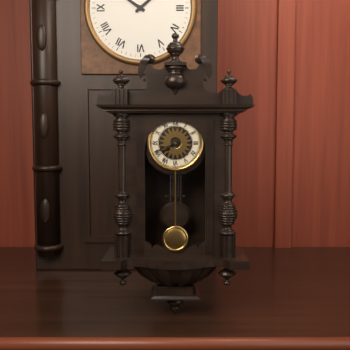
7:41
